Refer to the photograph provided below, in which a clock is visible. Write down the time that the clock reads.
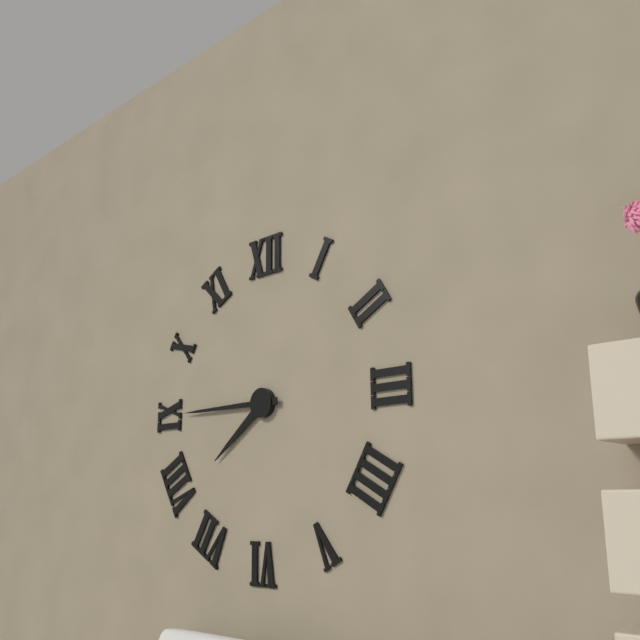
7:45
